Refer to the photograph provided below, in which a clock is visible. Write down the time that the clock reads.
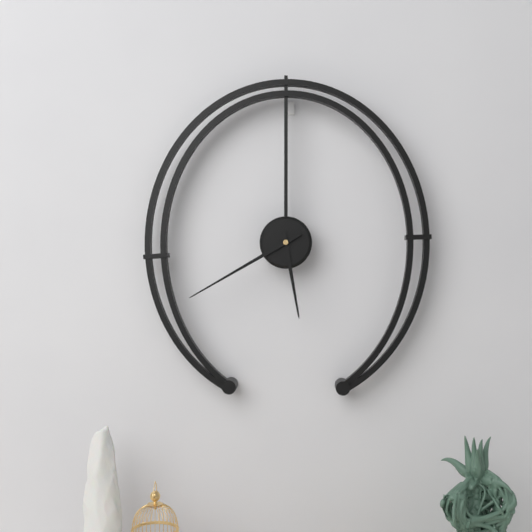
5:40
